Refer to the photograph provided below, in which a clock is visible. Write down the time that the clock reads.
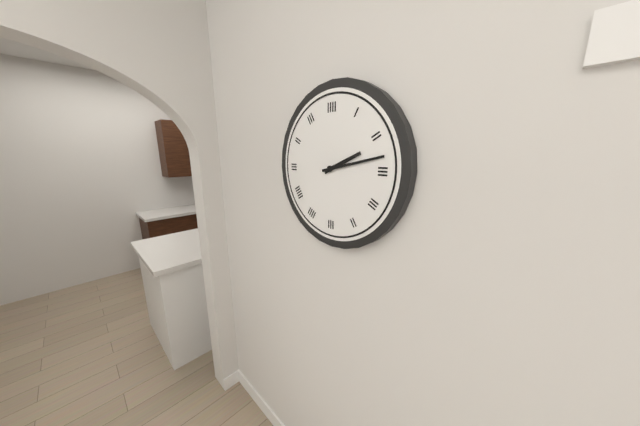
2:13
